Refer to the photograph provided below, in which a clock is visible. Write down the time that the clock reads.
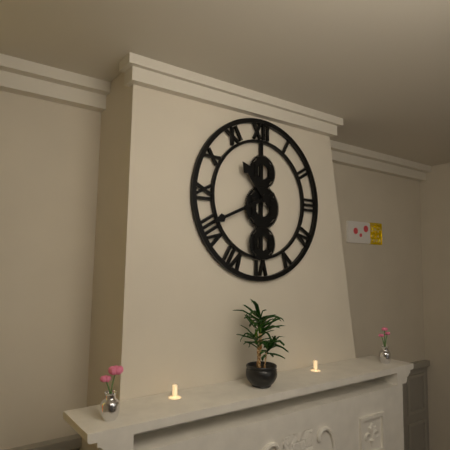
10:41
